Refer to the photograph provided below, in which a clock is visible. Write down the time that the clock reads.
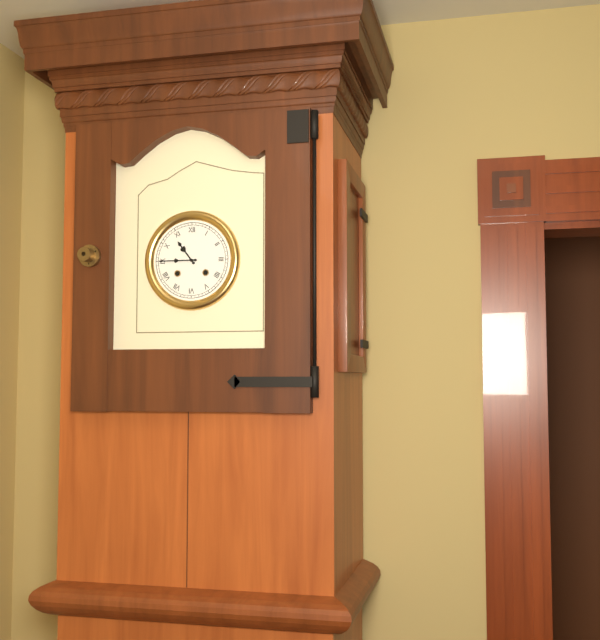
10:45
